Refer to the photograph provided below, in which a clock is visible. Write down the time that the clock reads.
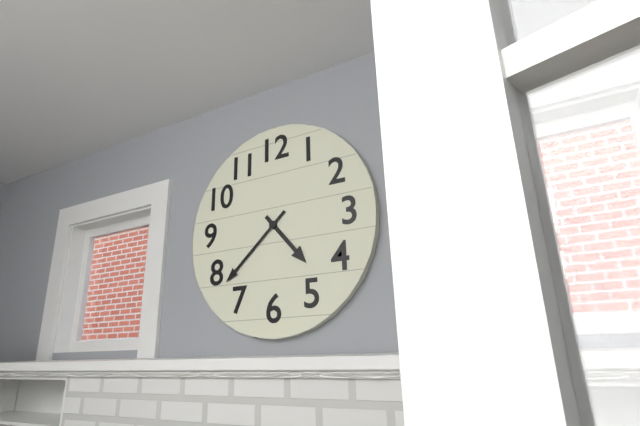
4:38
